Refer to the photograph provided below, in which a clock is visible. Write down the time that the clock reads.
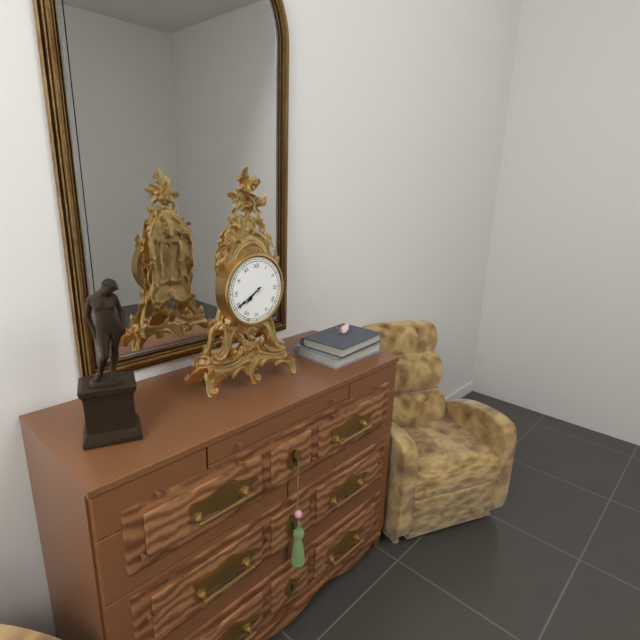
7:40
